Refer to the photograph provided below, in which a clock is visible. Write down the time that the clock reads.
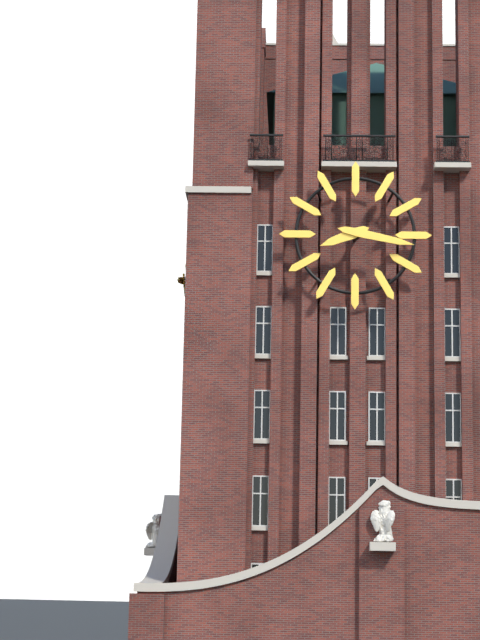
8:17
